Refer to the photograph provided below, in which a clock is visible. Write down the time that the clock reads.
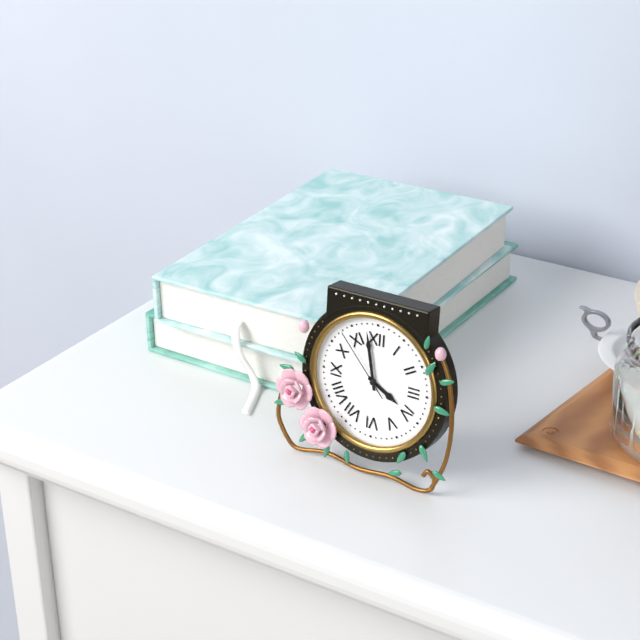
3:58:53
